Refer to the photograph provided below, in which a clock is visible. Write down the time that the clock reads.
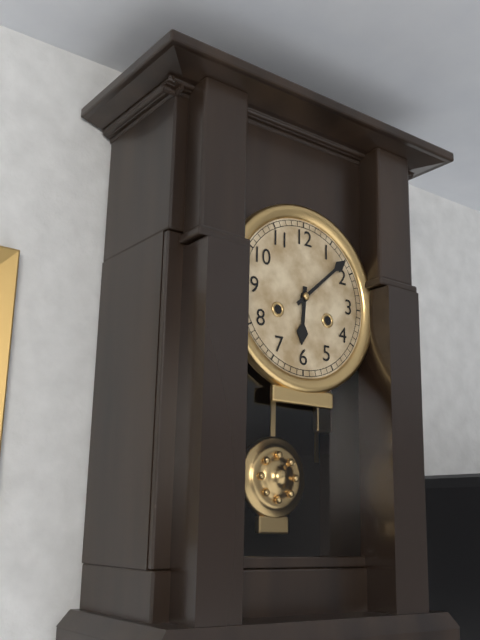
6:08
